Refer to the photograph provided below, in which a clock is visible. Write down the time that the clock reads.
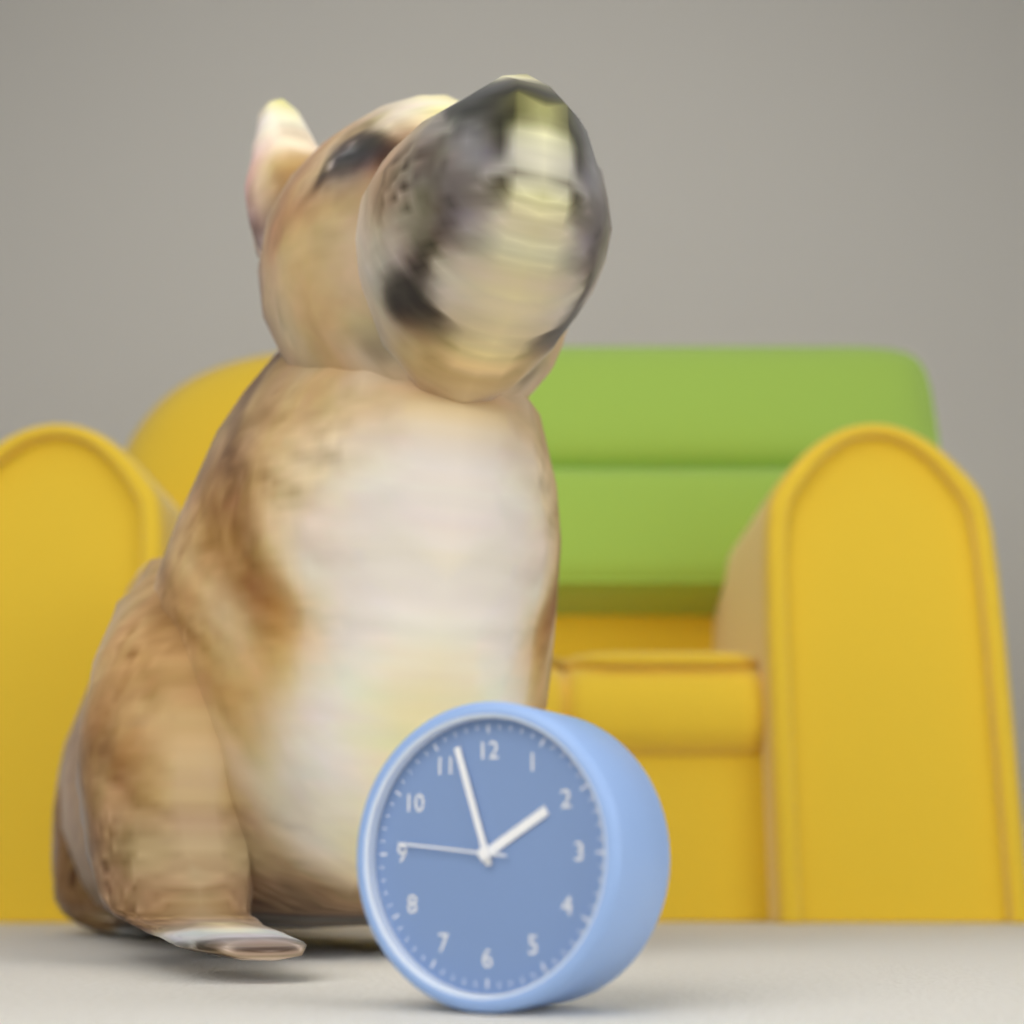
1:57:46
